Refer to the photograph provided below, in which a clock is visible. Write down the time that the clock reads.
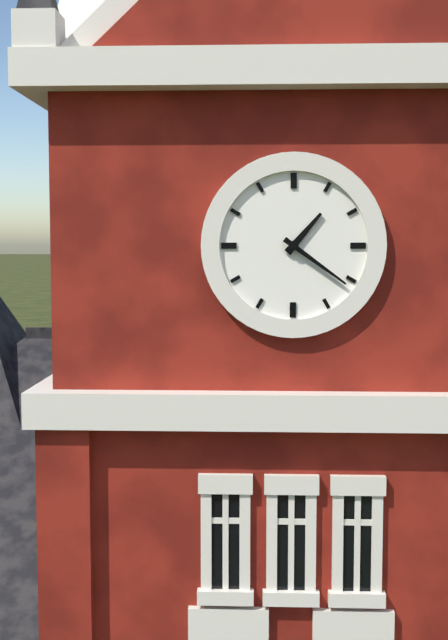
1:21
